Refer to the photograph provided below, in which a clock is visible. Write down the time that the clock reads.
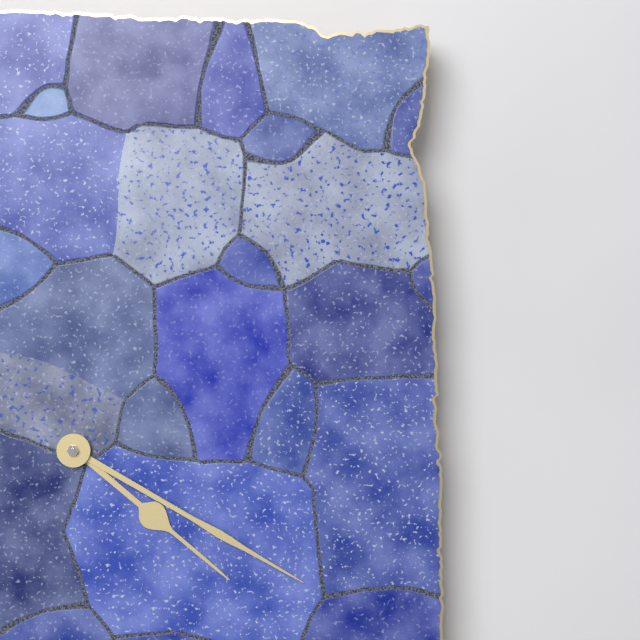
4:20
